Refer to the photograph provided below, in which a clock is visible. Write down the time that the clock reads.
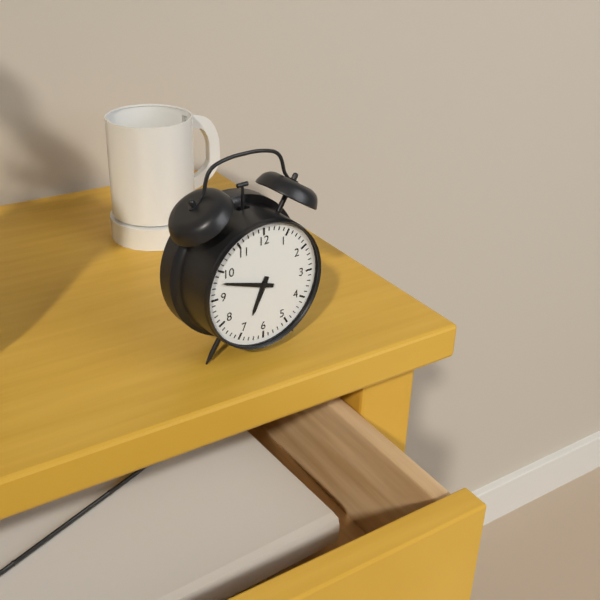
6:48
